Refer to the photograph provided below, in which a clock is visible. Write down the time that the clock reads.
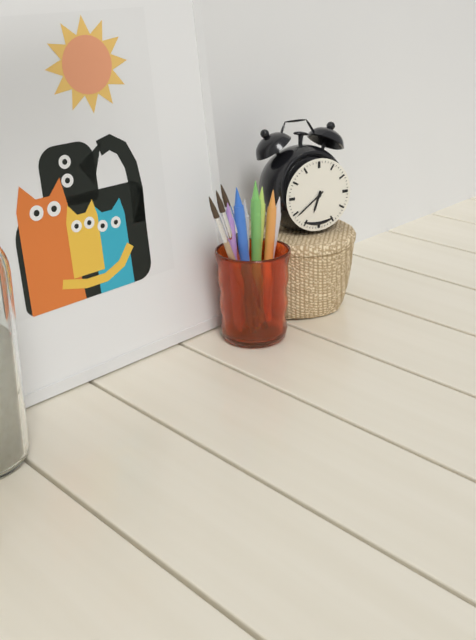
6:39
